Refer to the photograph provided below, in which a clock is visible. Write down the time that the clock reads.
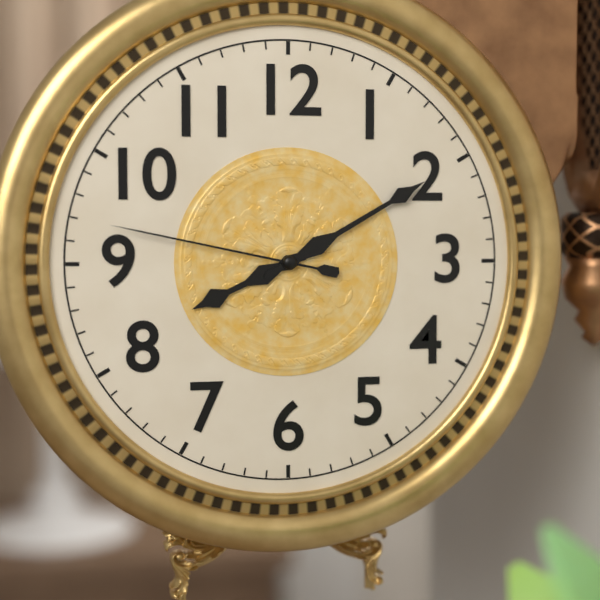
8:10:47
